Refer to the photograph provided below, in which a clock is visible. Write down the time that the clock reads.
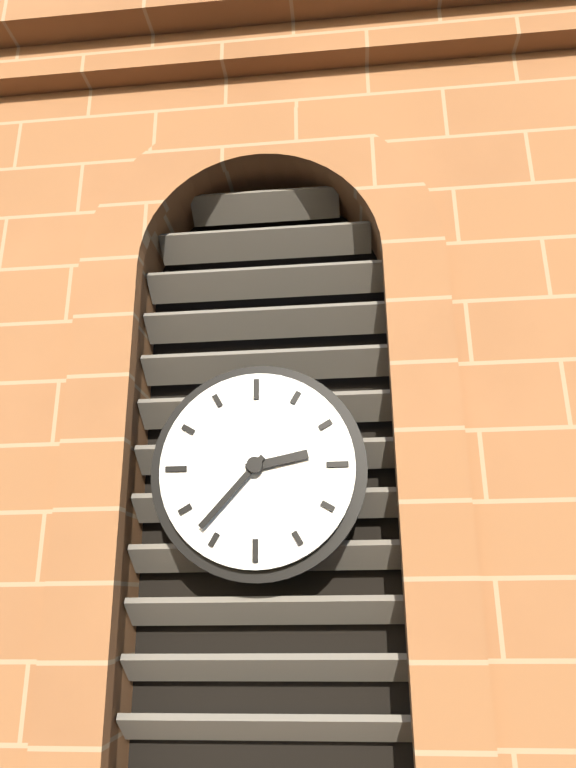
2:37
